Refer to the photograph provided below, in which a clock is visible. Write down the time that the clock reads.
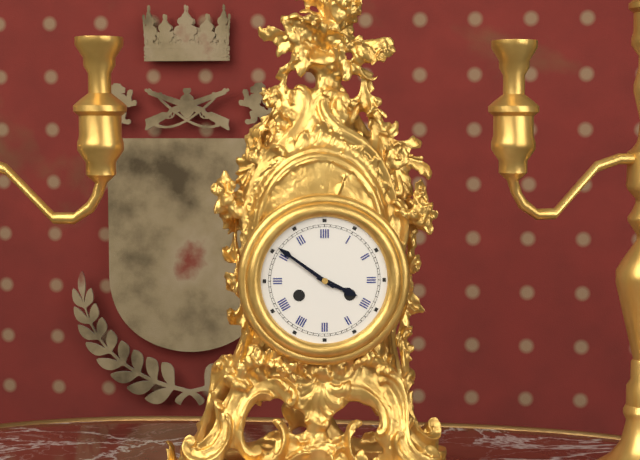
3:51
